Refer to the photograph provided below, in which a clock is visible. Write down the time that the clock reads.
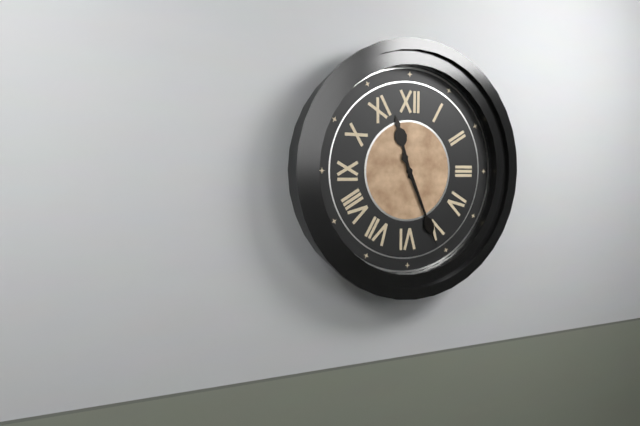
11:26
